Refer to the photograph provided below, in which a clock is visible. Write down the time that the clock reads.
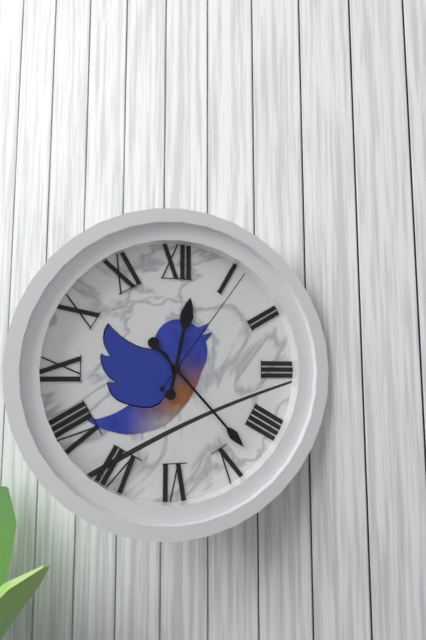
12:23:06
